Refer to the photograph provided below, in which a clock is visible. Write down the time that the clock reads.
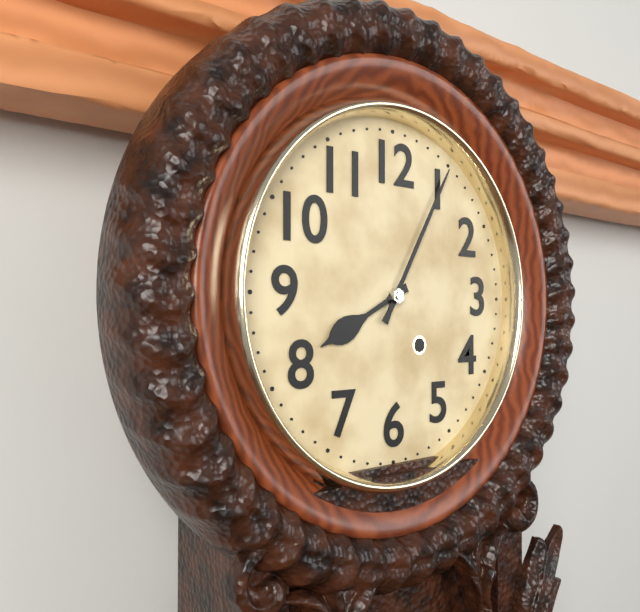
8:05
